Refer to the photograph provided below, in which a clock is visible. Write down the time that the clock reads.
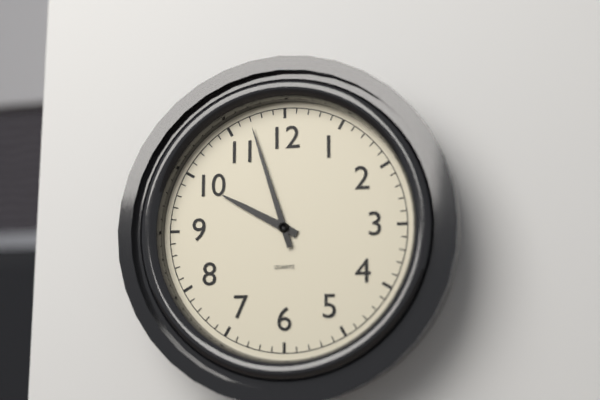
9:57
